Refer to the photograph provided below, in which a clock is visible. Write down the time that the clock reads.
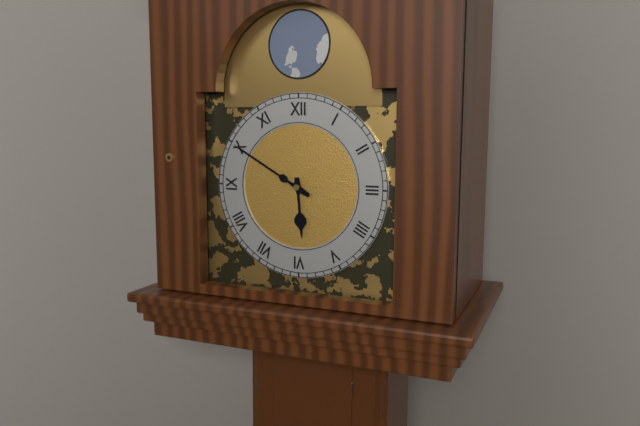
5:50
